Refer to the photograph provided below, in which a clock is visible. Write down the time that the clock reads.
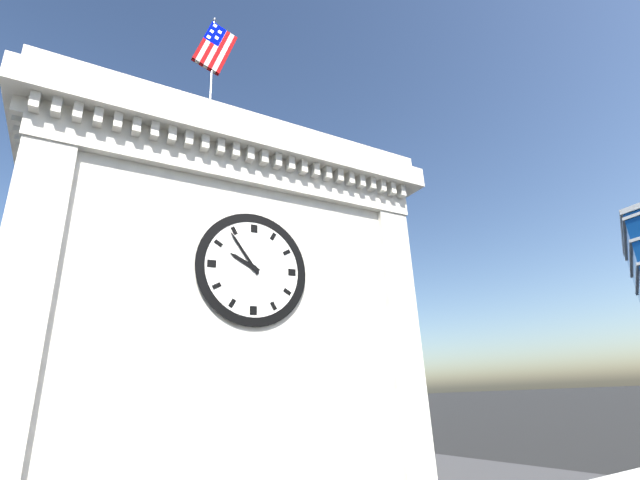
9:54
